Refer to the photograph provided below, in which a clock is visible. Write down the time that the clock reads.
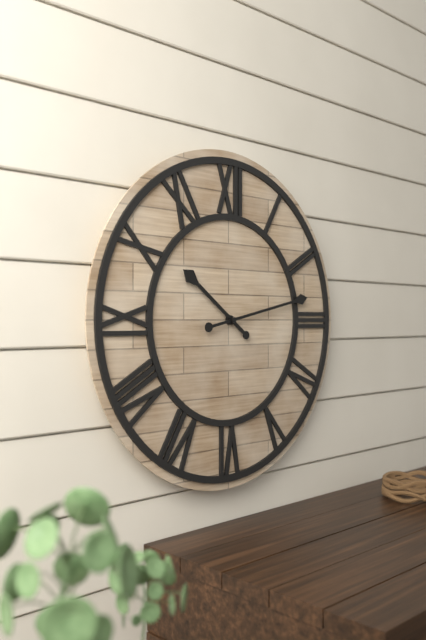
10:13
